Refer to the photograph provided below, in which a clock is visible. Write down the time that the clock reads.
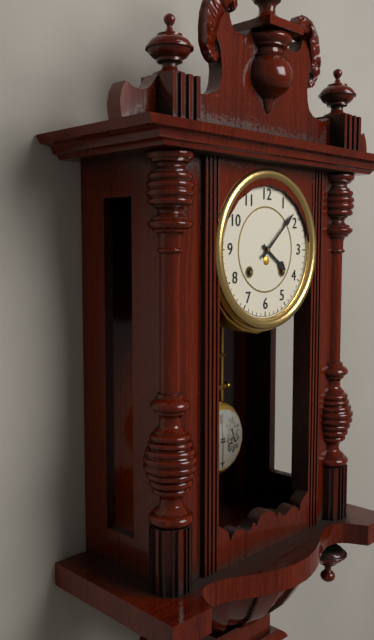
4:08
